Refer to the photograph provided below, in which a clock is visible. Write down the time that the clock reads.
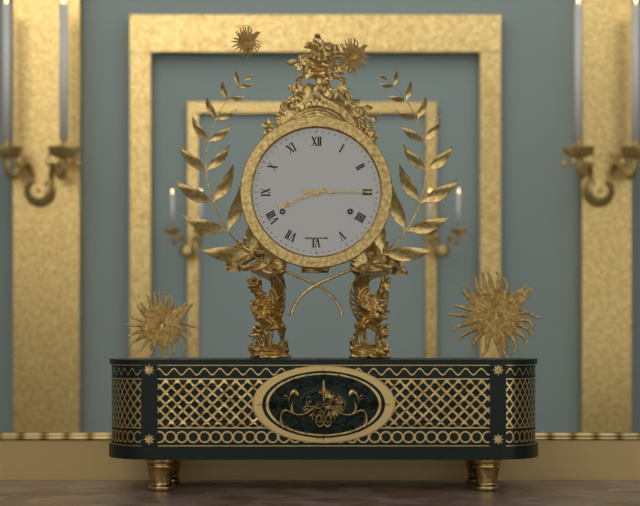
8:15
